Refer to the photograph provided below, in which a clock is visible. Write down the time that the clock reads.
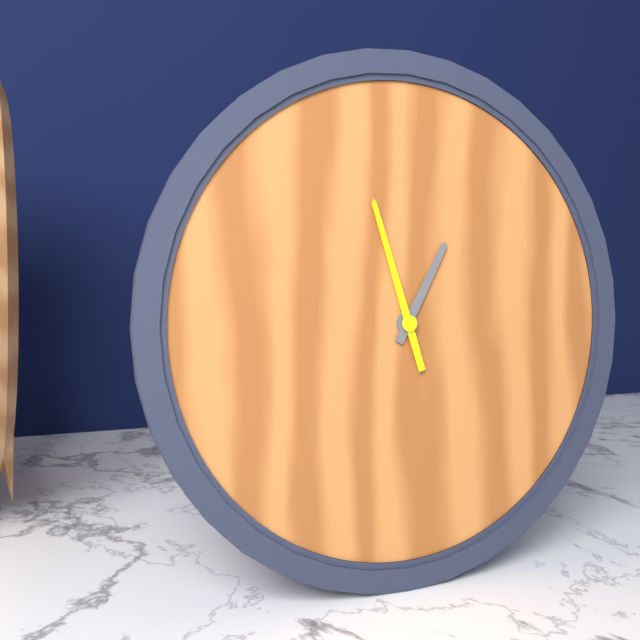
12:57
